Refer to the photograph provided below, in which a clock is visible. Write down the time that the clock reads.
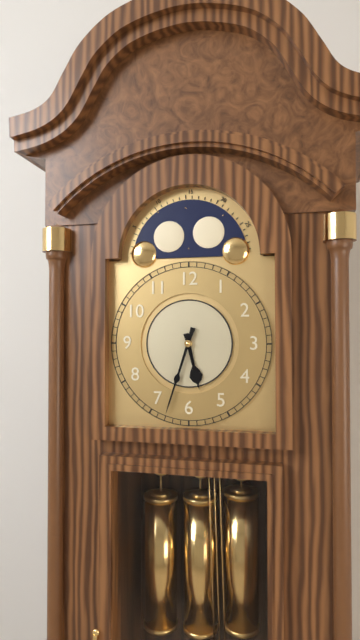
5:33
